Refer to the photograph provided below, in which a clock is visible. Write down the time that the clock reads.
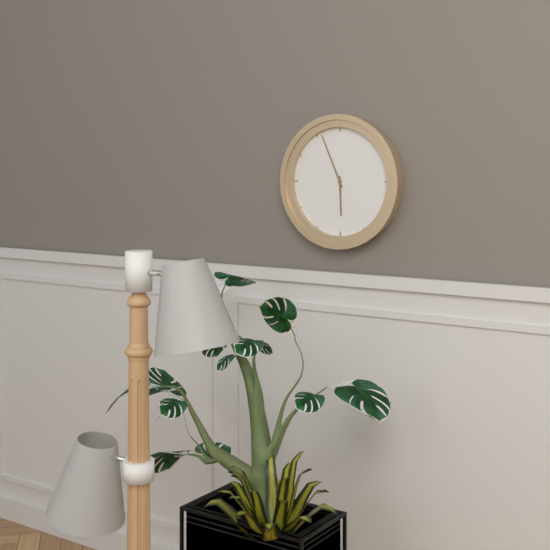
5:56
